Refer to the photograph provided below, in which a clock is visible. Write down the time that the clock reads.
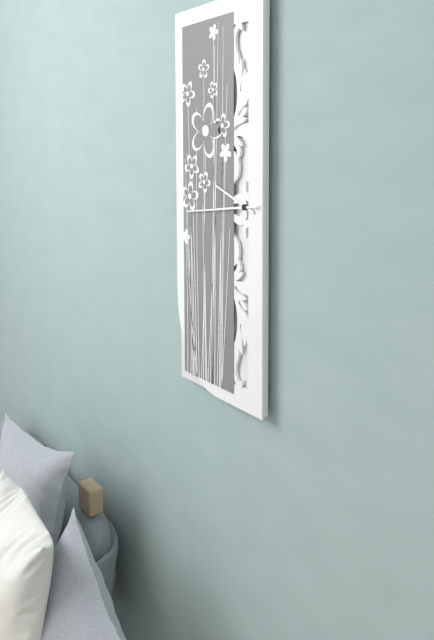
9:44
